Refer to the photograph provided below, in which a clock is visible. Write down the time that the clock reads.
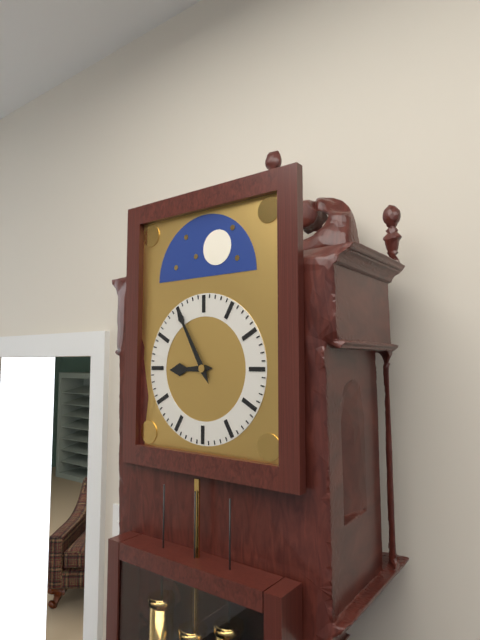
8:55
